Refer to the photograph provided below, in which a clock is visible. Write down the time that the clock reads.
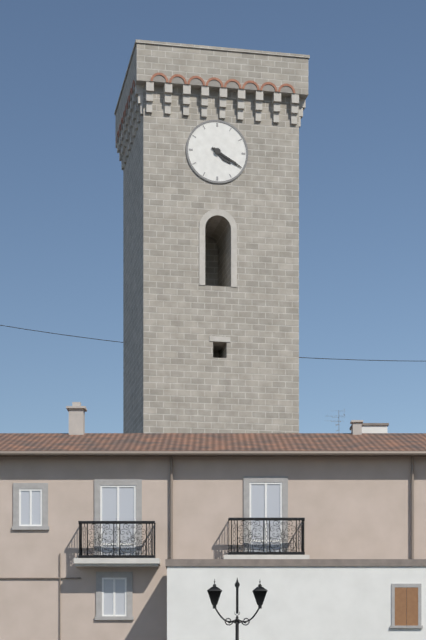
4:20
